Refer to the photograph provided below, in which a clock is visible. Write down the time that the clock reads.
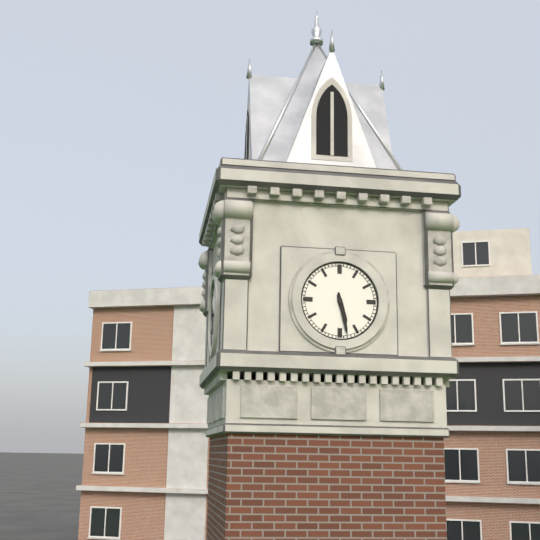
5:28
